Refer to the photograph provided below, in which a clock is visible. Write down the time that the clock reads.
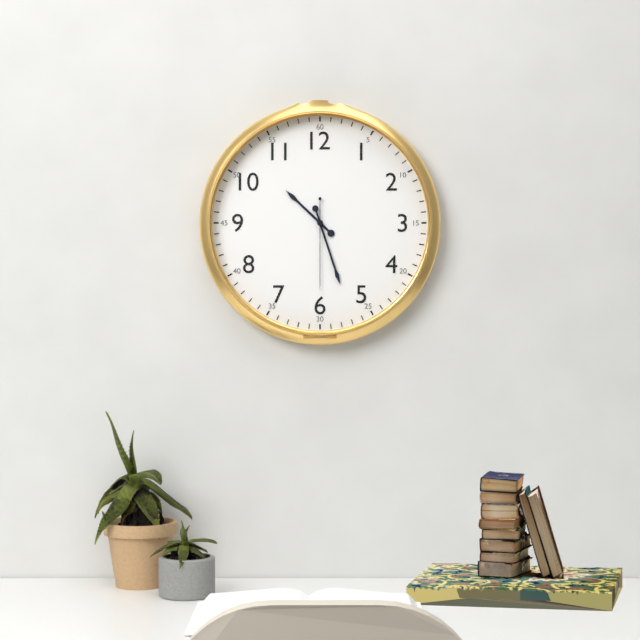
10:27:30
